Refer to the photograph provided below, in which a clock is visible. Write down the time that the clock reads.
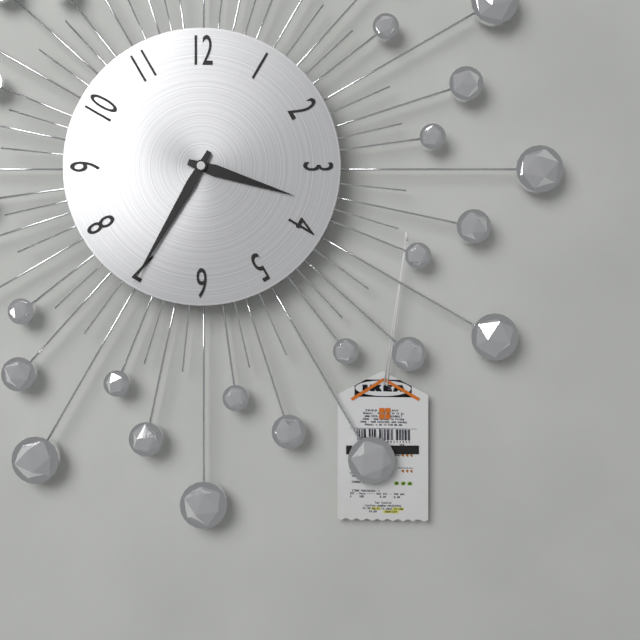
3:35
